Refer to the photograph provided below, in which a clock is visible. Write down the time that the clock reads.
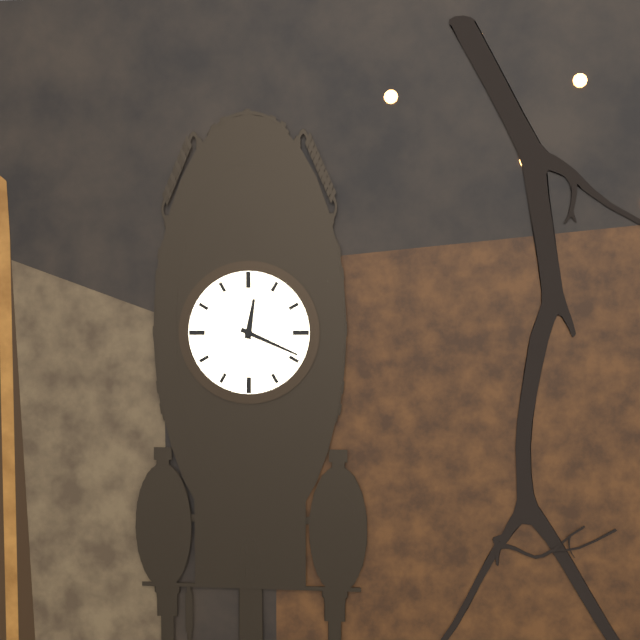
12:19
